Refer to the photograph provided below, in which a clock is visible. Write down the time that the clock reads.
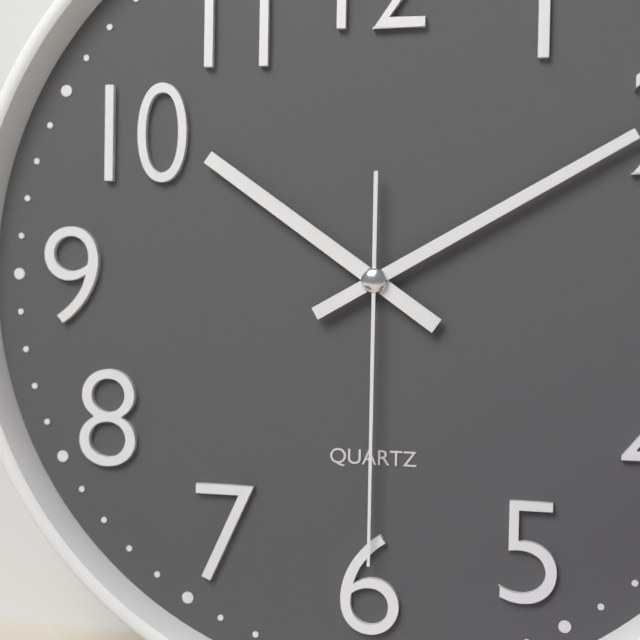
10:10:30
